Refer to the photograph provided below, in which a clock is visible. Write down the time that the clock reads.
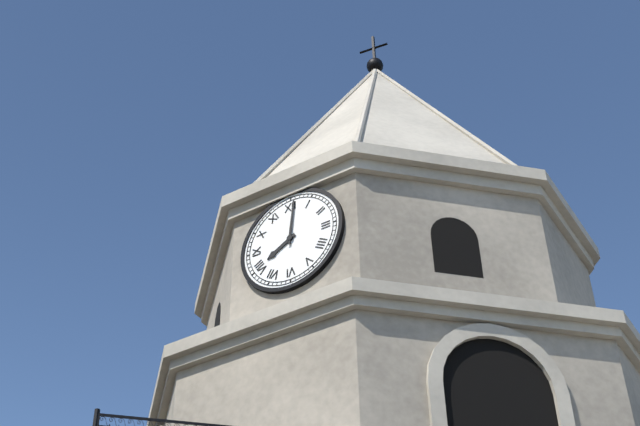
8:01
